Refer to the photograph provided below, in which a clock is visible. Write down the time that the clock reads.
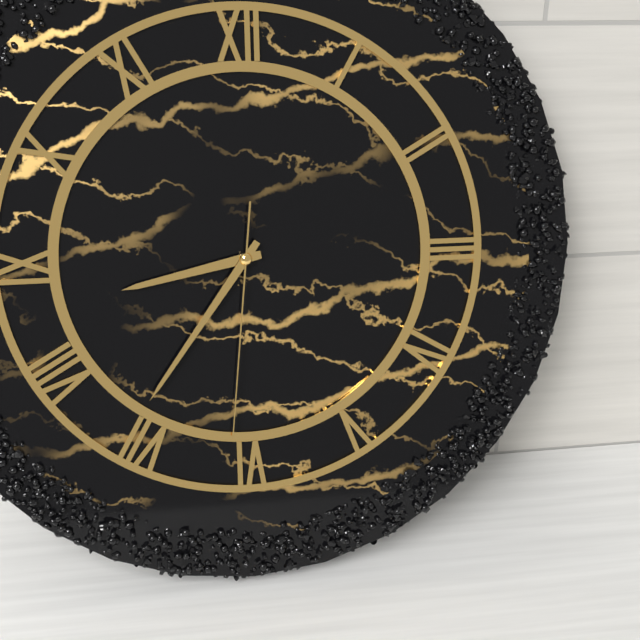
8:36:31
